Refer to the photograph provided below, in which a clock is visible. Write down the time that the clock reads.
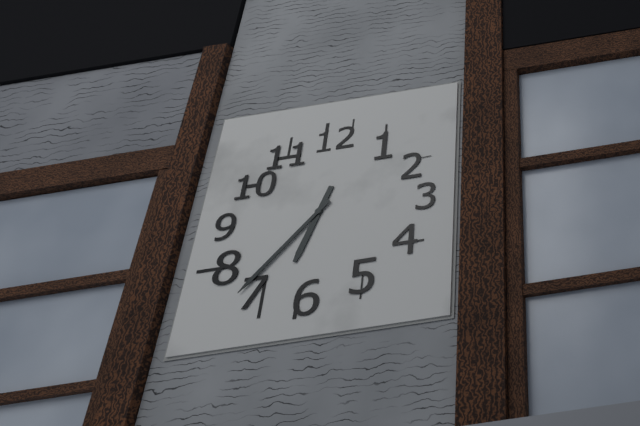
6:37
